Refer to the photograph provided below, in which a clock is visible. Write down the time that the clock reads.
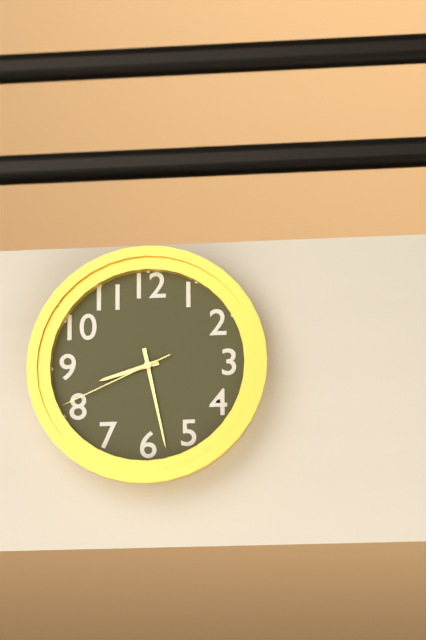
8:28:41
